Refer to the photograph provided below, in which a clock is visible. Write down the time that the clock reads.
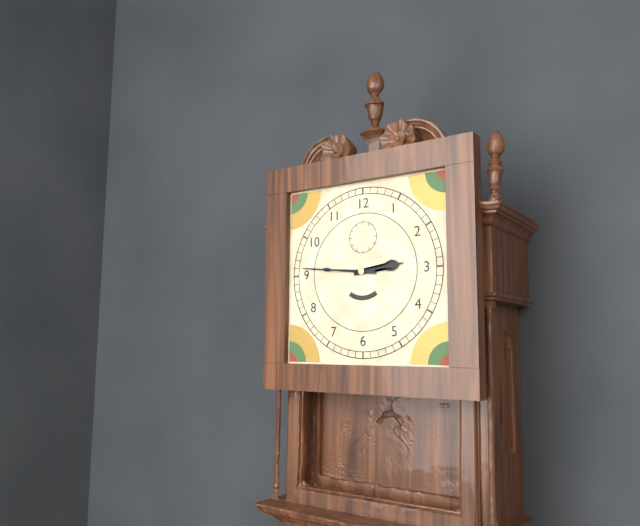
2:46
